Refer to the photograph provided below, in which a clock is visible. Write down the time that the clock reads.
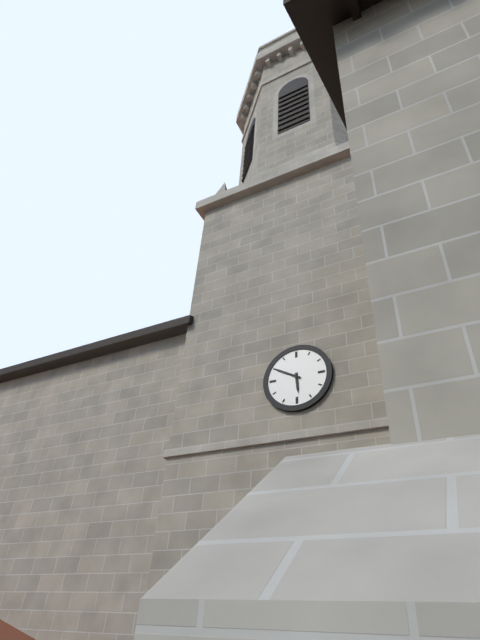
5:50
